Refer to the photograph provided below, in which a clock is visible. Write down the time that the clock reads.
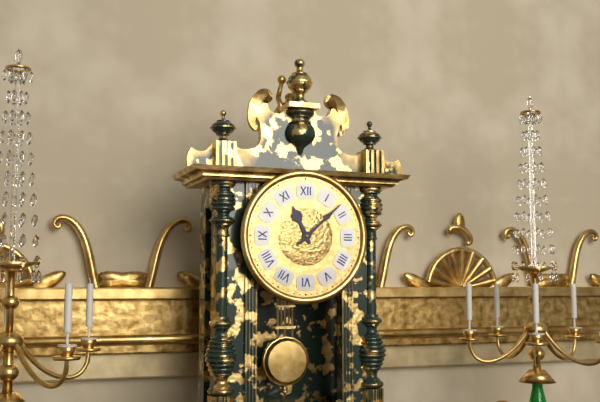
11:08
